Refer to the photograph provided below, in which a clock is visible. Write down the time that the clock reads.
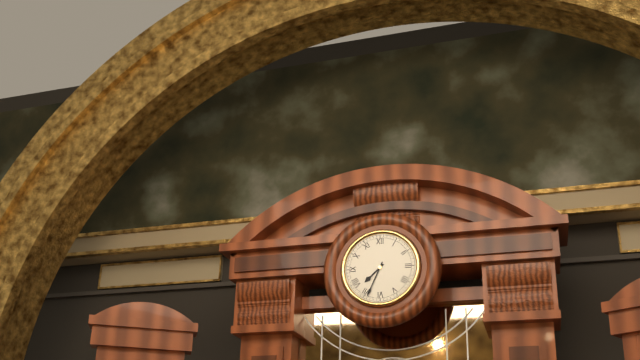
7:34
